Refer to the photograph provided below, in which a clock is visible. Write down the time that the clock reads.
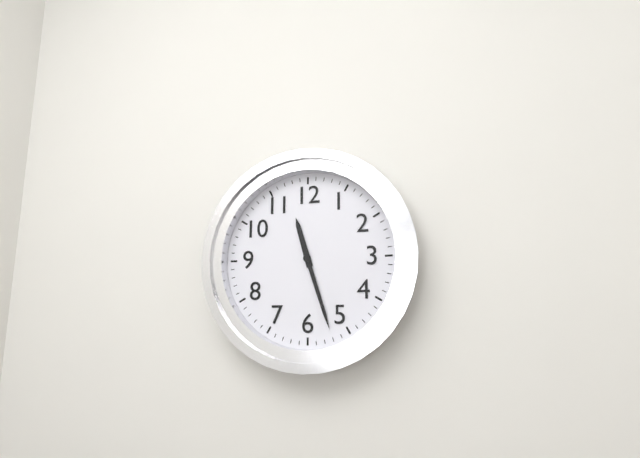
11:27
